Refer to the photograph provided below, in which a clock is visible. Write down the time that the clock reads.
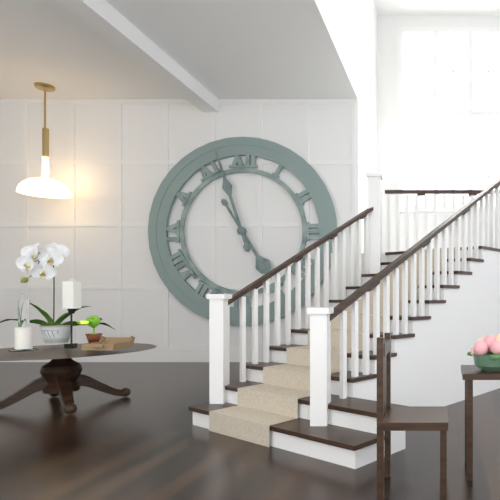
4:57
